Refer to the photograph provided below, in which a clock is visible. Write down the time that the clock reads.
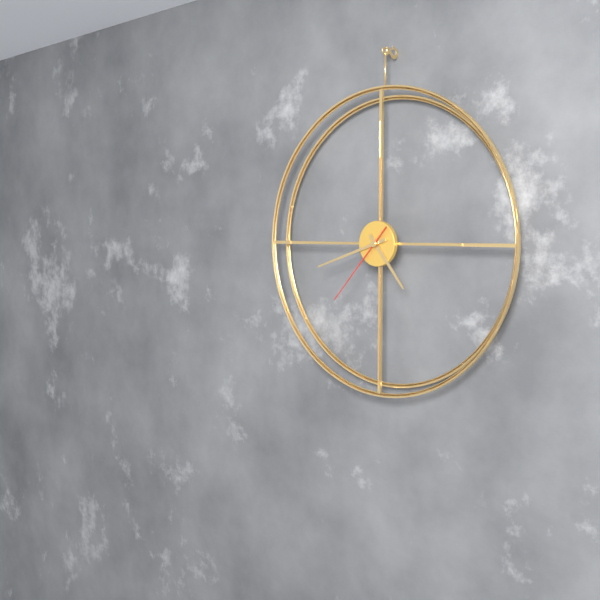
4:42:37
